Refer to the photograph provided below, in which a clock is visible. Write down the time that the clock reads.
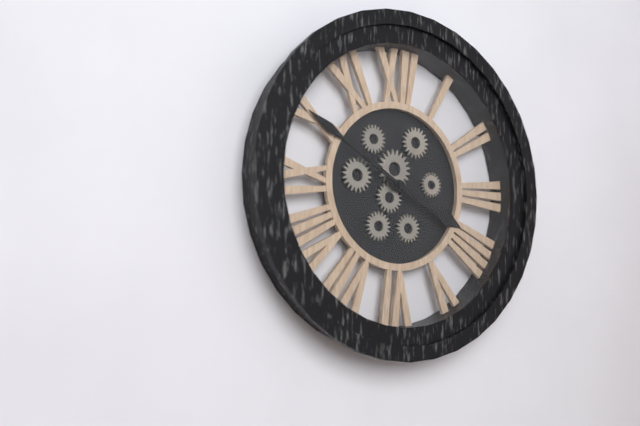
3:50
